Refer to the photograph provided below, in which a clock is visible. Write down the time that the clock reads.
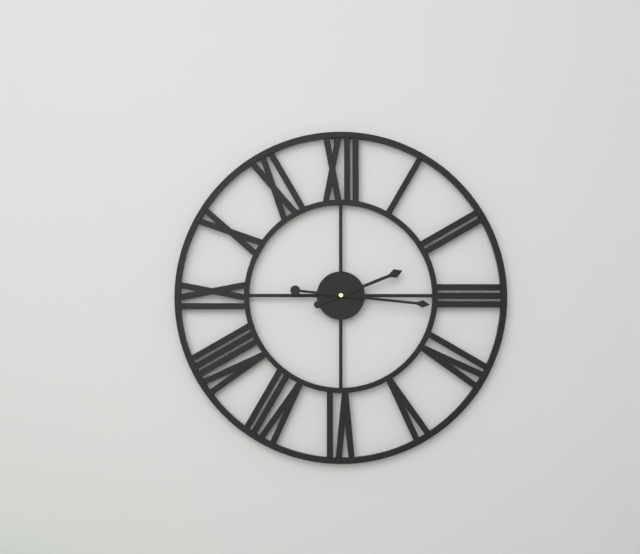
2:16
